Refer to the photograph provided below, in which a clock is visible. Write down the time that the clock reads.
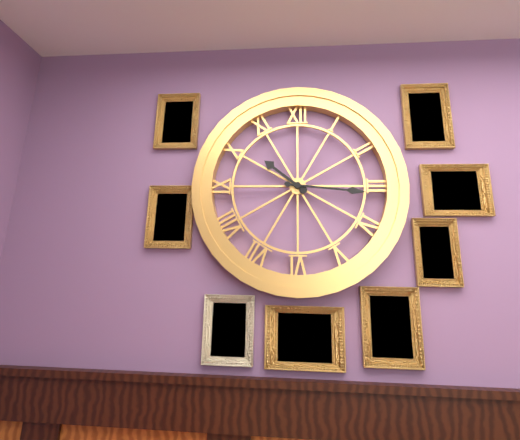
10:16
